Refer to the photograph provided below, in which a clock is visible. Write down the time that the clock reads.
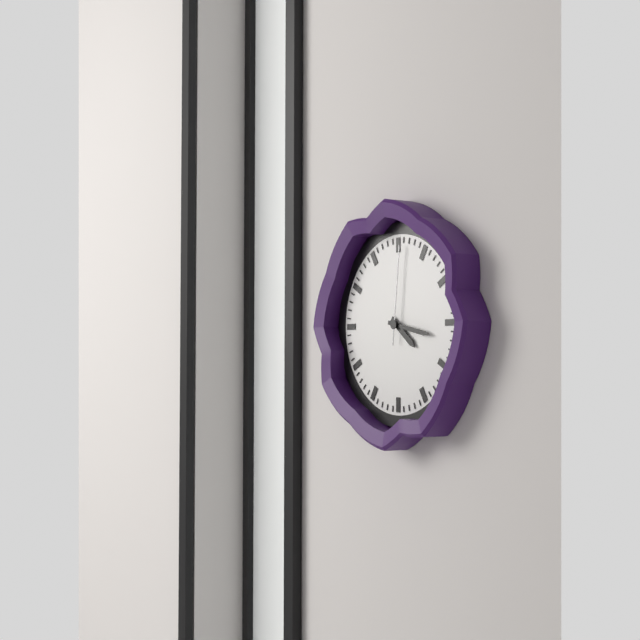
4:17:01
